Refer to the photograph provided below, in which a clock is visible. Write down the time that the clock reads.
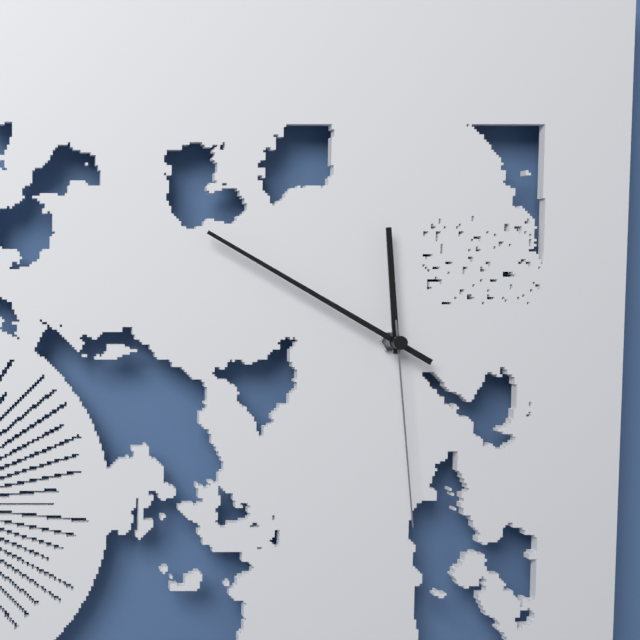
11:50:29
